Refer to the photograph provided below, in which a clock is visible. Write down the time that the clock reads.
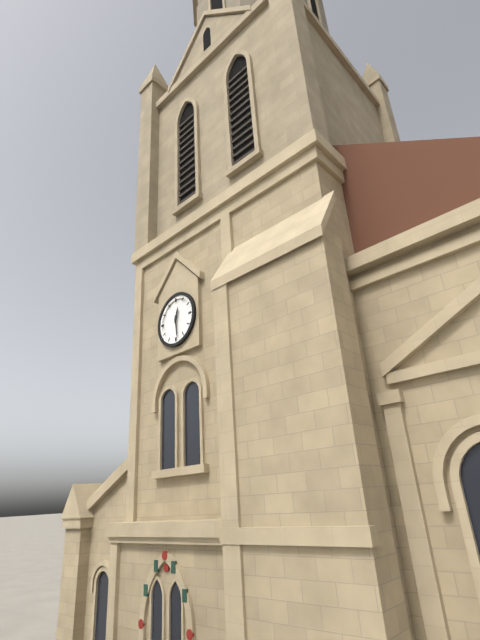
12:29
